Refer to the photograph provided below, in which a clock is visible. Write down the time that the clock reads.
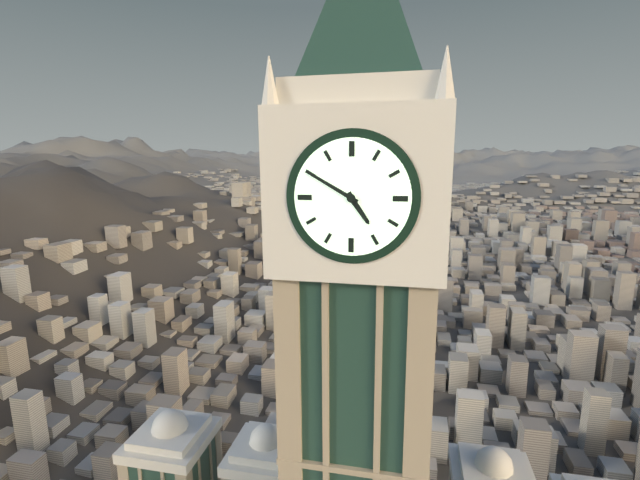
4:50
